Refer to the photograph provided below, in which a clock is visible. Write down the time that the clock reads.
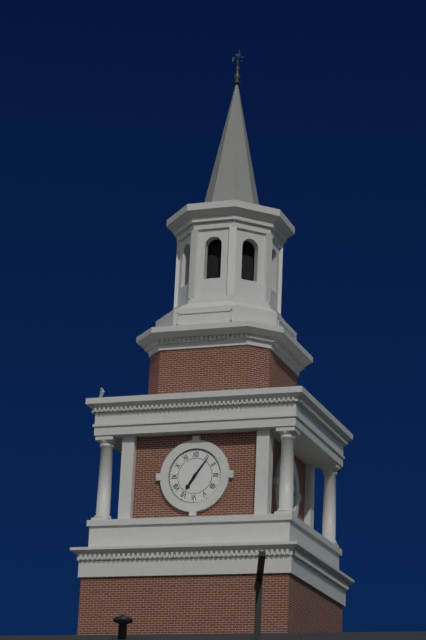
7:06
